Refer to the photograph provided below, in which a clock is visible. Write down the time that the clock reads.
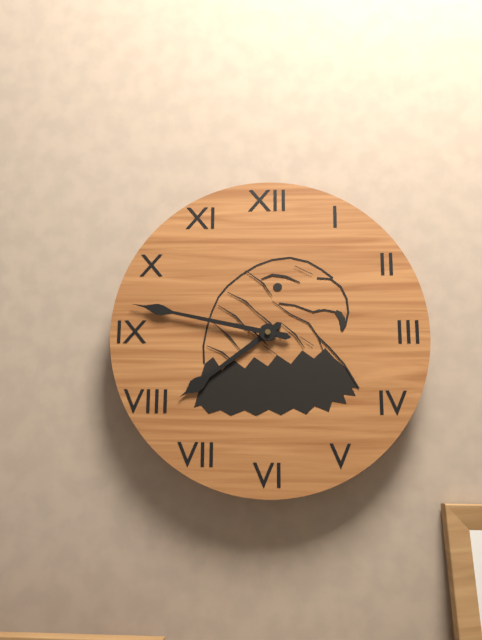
7:47
